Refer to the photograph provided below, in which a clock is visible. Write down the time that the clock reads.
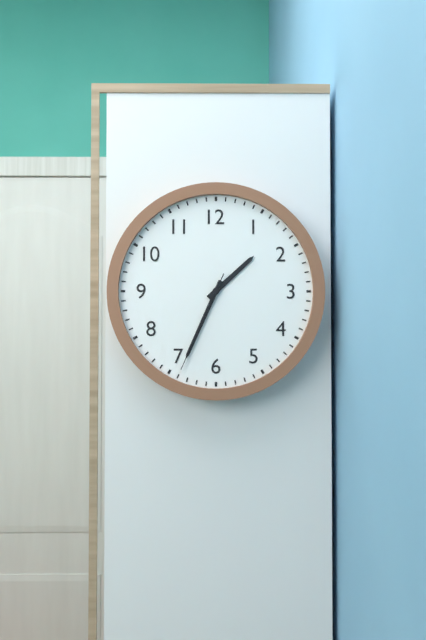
1:34:34
